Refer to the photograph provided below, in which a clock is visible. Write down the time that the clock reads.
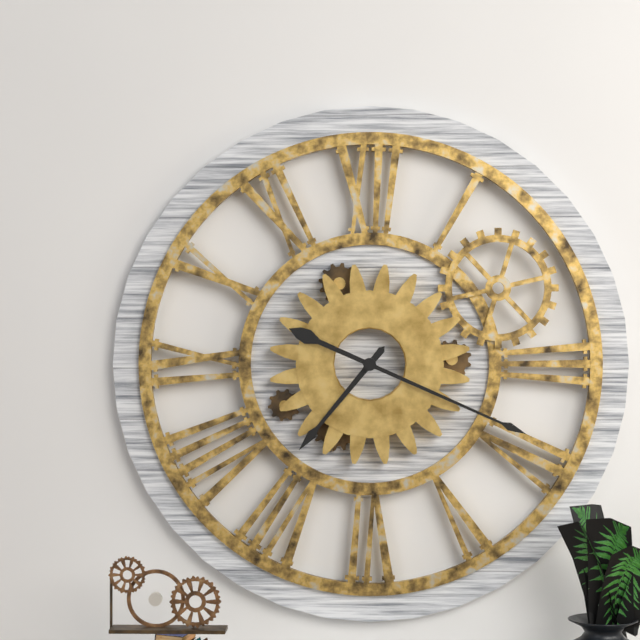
7:19
